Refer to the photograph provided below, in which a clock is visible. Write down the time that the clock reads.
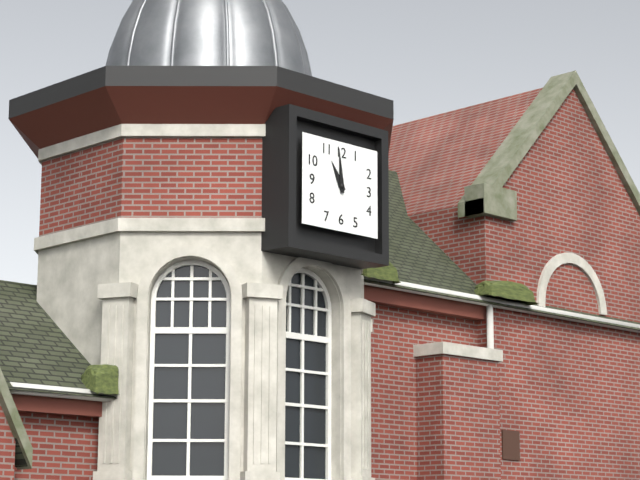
10:59
